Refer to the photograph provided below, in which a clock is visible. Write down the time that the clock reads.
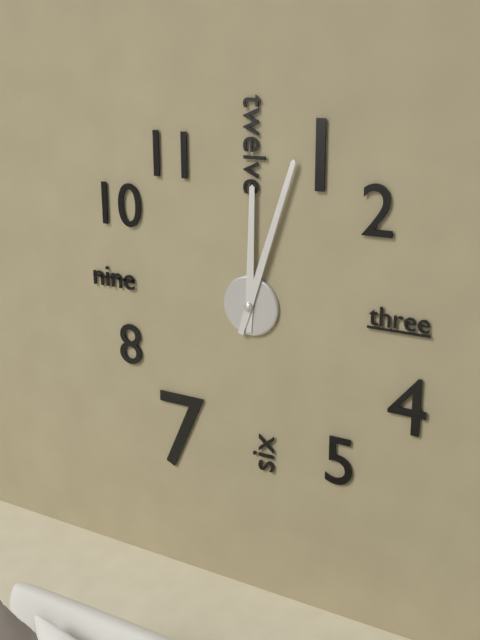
12:03
